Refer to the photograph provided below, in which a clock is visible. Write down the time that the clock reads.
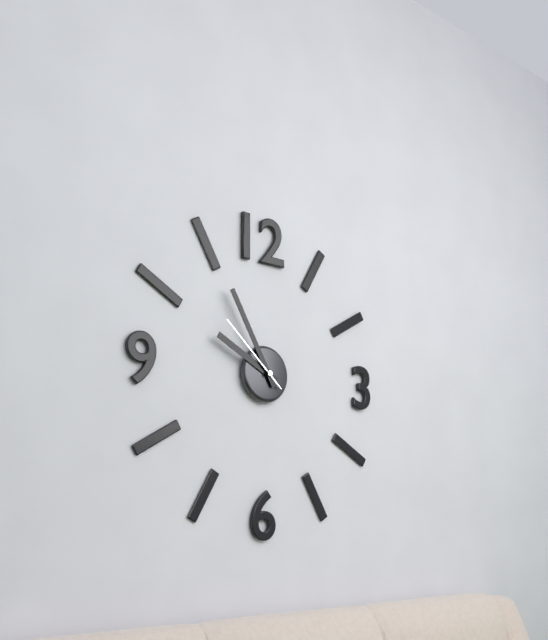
9:55:52
